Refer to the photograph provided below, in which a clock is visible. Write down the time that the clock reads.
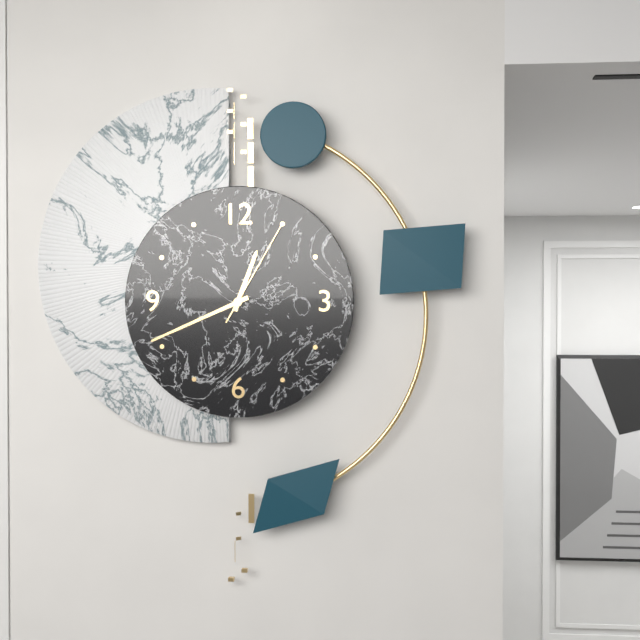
12:41:05
